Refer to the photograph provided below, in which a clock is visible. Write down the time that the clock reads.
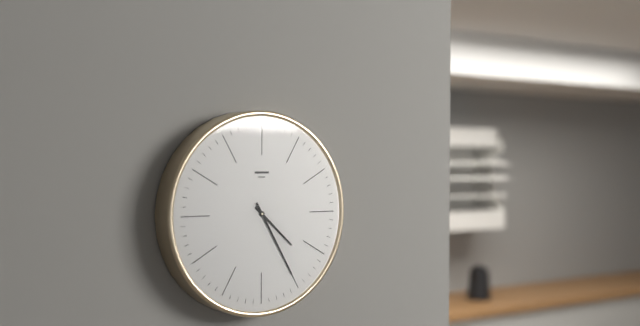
4:25
